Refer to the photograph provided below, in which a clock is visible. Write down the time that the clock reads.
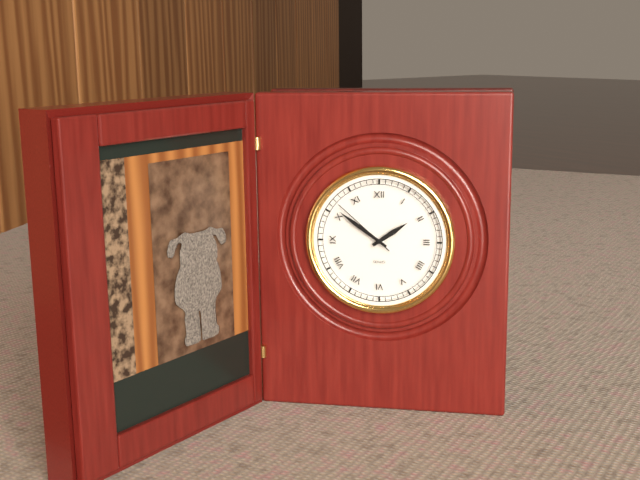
1:51:52
